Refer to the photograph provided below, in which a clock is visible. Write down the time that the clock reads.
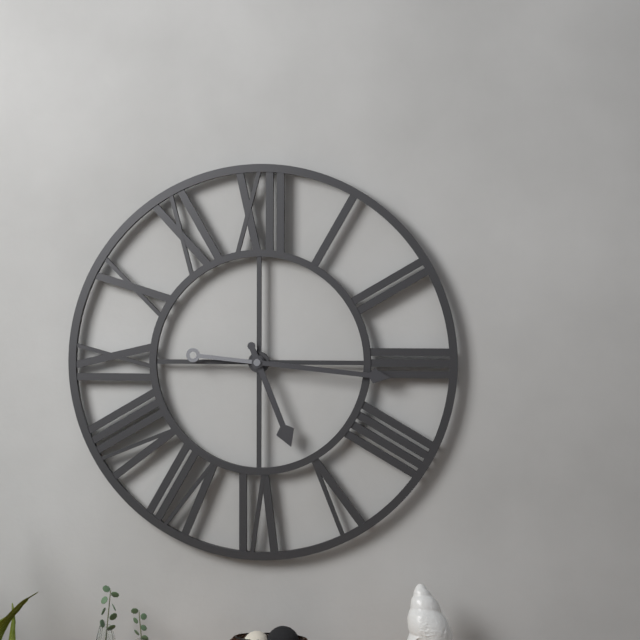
5:16
